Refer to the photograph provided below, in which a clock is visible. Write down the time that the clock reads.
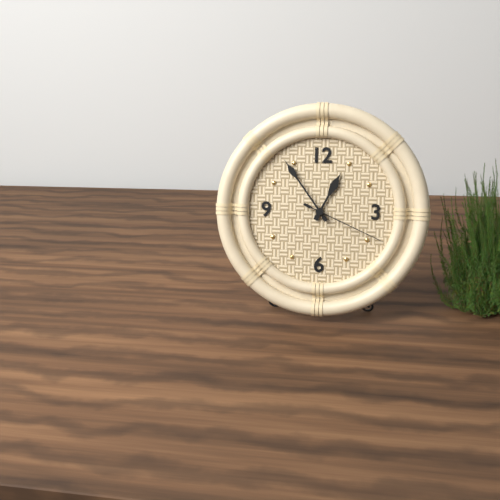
12:54:19
